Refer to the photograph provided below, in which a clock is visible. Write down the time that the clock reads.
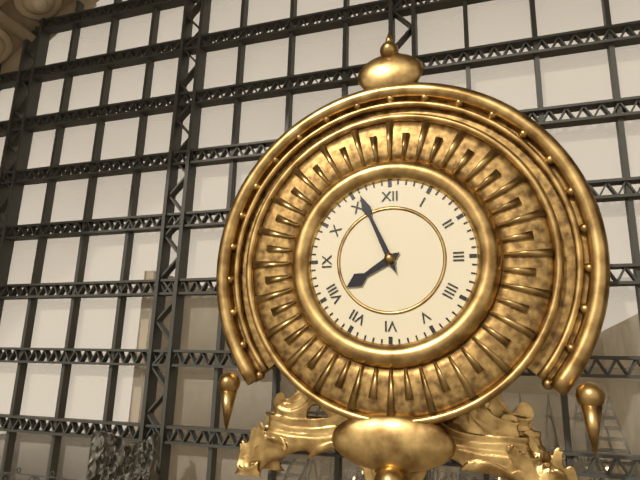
7:56
